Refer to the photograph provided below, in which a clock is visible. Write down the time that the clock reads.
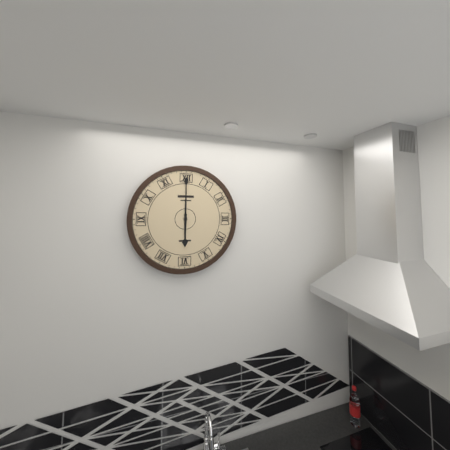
6:00
